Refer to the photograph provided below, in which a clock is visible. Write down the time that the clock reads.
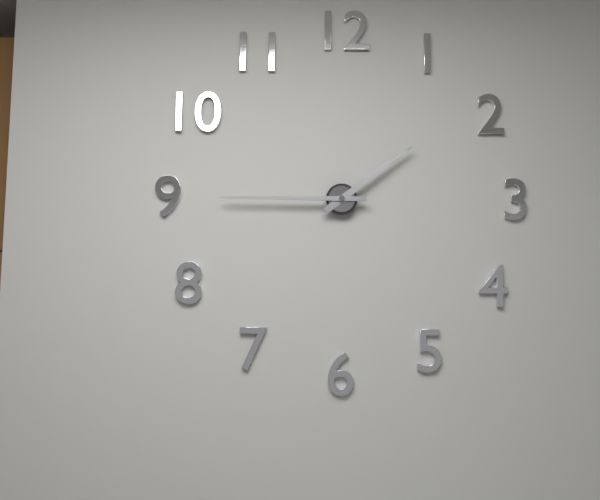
1:45
